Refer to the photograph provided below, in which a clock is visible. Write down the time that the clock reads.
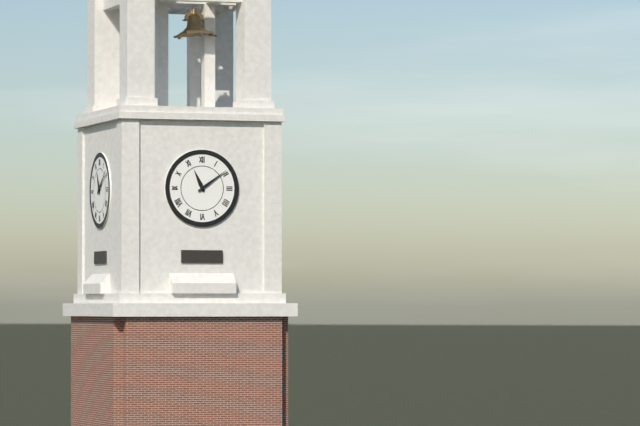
11:09
